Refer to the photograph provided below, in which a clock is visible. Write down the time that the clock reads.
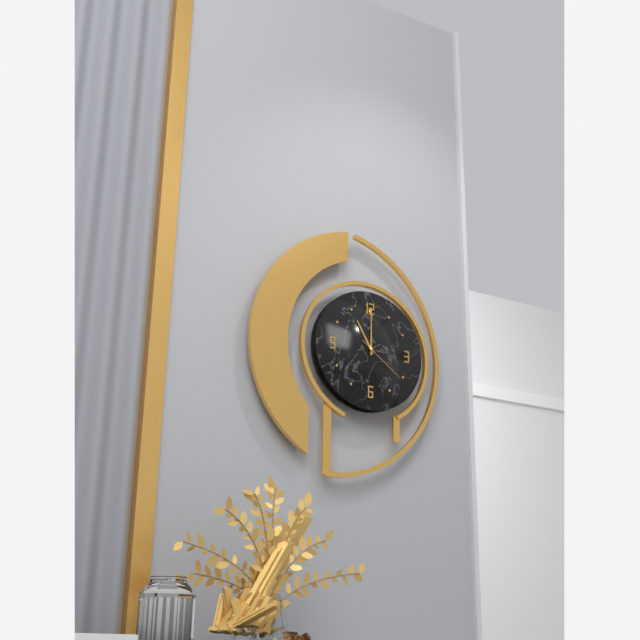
11:00:21
